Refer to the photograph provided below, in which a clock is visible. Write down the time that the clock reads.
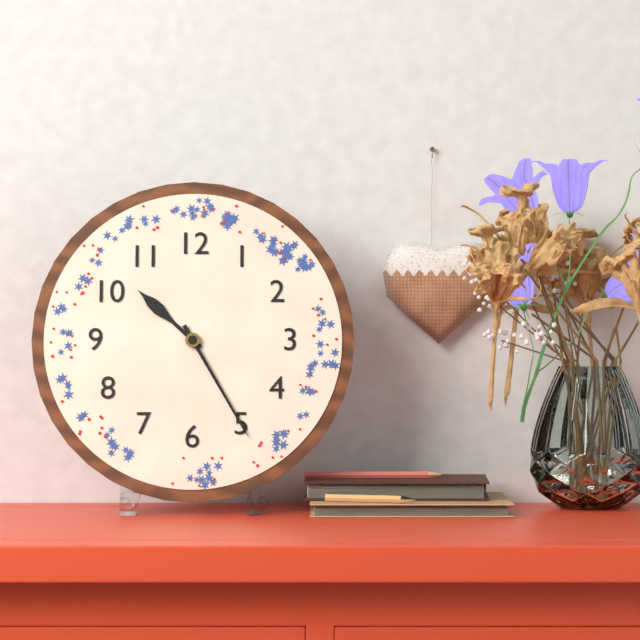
10:25
